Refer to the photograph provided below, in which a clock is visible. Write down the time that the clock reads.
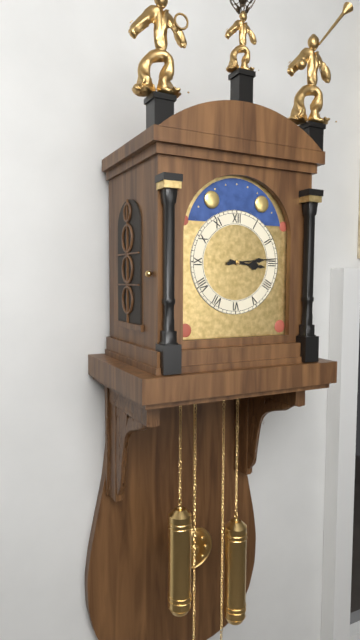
3:14
